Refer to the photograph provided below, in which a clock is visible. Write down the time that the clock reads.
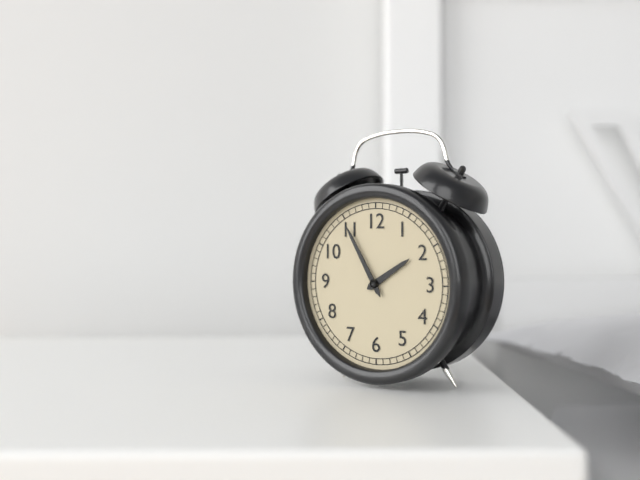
1:55
